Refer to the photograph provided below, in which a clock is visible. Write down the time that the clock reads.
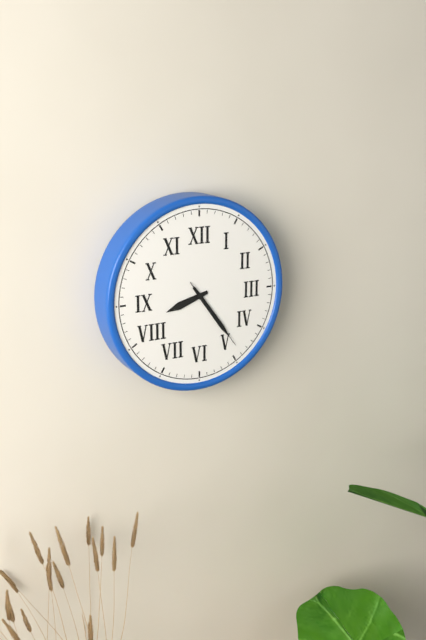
8:24:24
